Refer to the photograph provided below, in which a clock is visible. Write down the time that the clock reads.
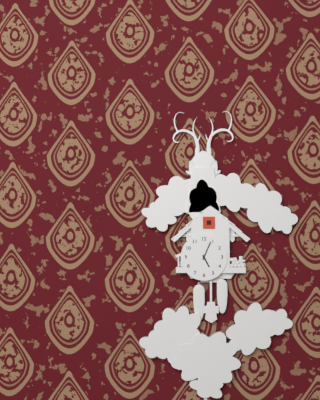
5:04
